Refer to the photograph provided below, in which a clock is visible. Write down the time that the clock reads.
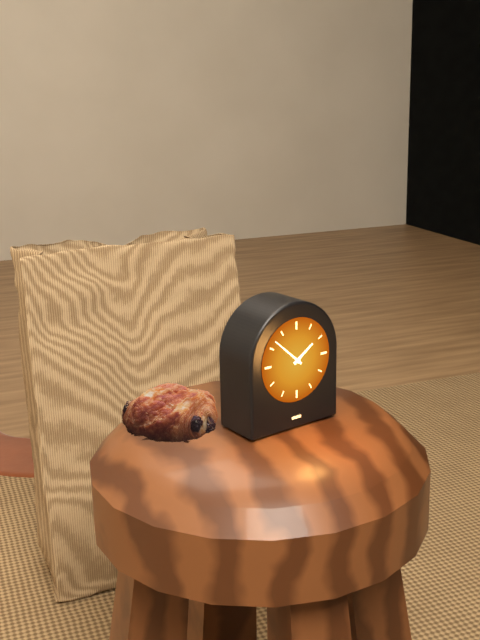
1:52
